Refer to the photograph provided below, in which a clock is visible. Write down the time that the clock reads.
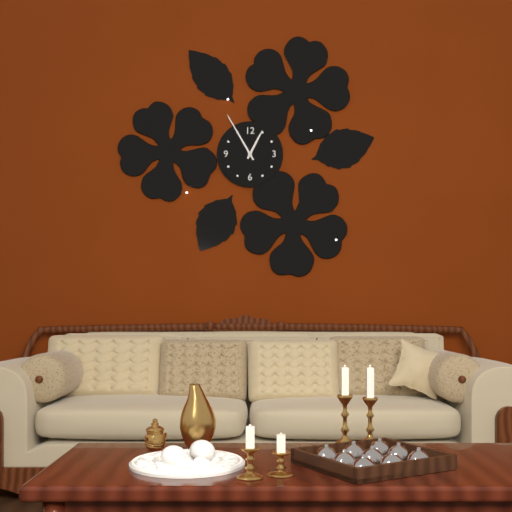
12:55
